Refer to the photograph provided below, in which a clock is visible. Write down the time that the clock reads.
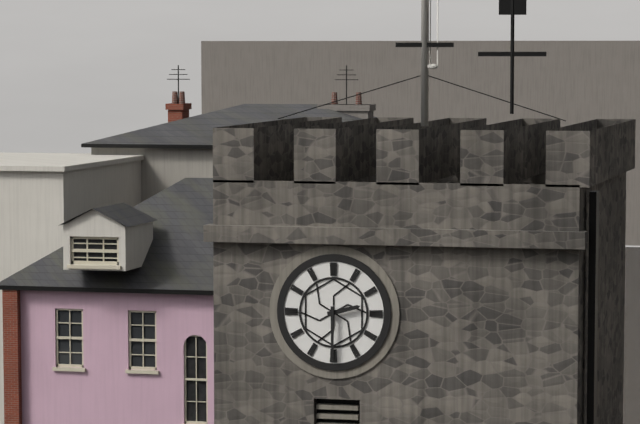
2:30
